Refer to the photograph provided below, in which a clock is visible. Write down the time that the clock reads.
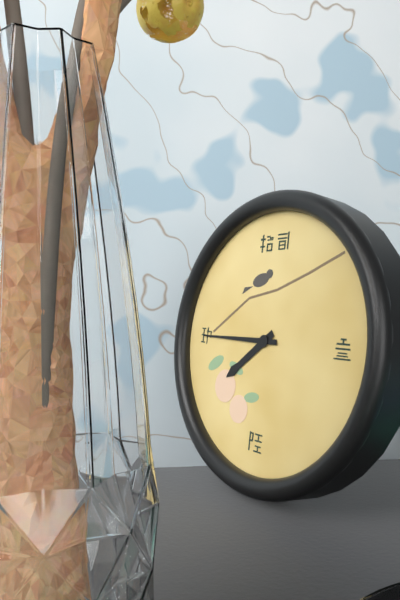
7:45
